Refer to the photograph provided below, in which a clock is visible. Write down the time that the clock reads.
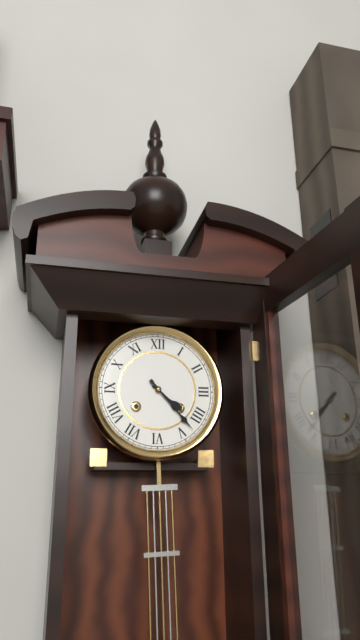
4:23
